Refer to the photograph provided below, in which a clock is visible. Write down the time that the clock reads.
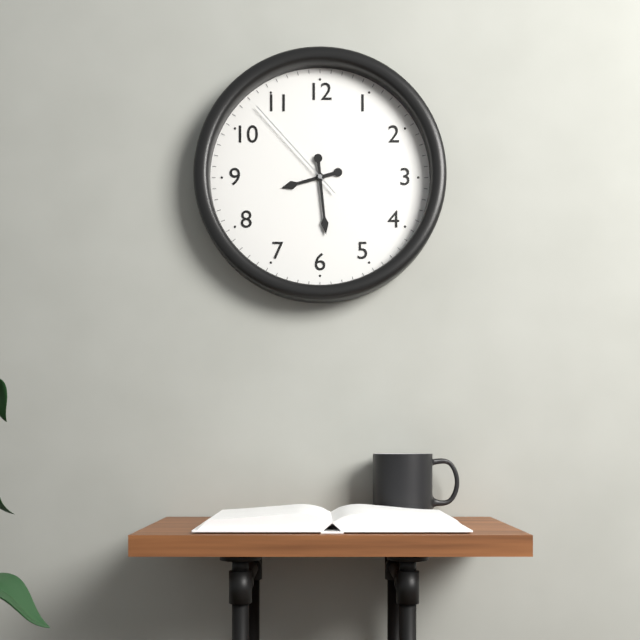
8:29:53
